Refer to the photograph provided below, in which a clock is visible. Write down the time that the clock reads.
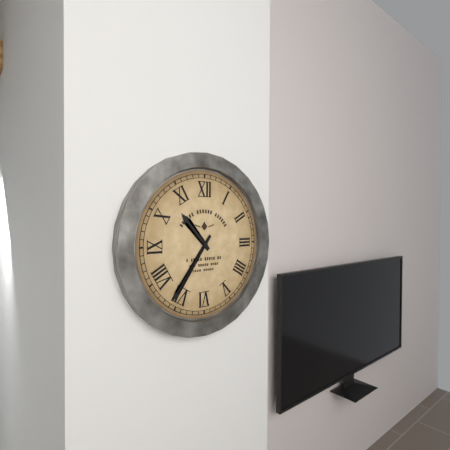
10:36
